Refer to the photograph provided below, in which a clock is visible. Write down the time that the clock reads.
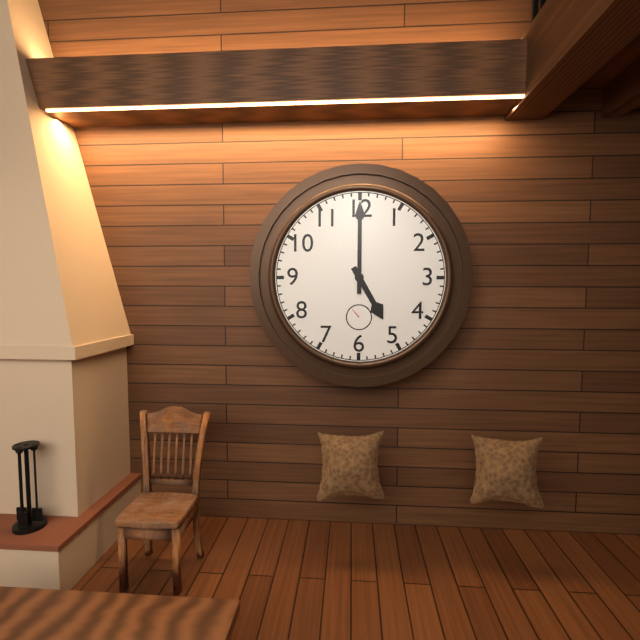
5:00
